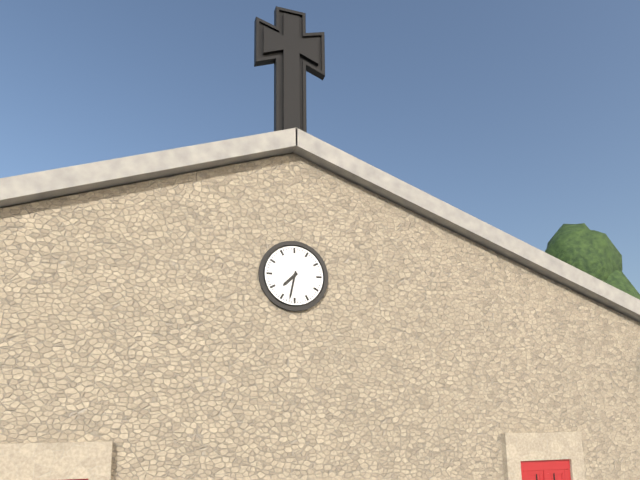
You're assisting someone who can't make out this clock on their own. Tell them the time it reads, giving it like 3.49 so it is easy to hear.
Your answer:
7.32
